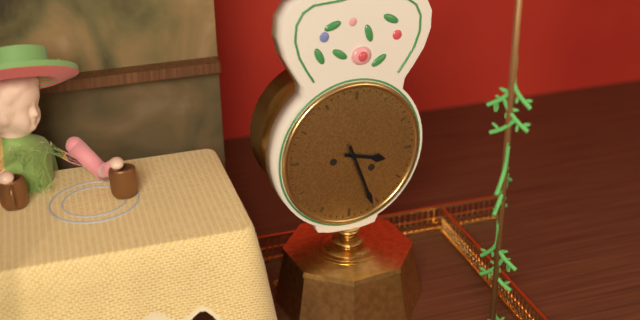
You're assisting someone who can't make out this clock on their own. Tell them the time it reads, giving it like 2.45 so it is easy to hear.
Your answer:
3.26
